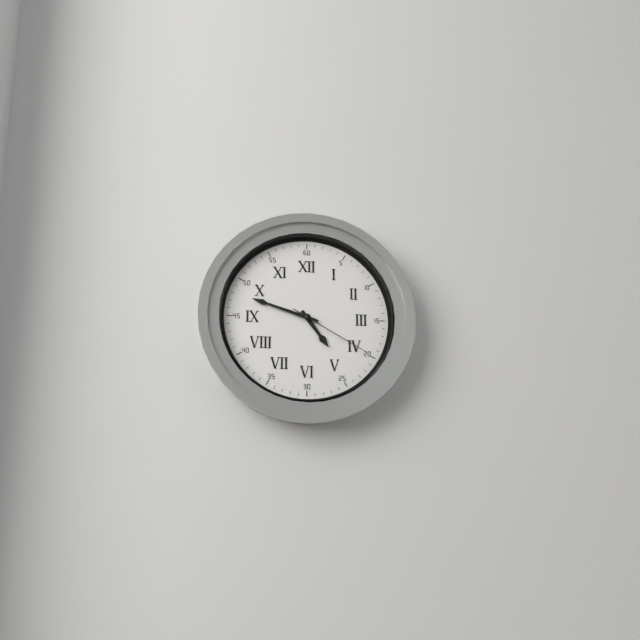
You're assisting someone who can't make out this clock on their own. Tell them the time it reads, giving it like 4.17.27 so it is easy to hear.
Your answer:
4.48.20
